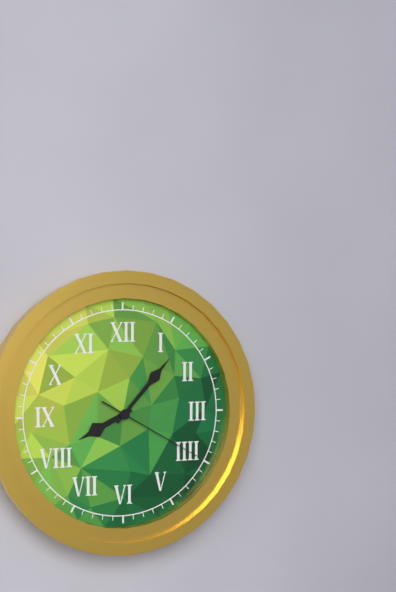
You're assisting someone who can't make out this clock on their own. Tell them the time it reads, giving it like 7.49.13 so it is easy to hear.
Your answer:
8.07.20
